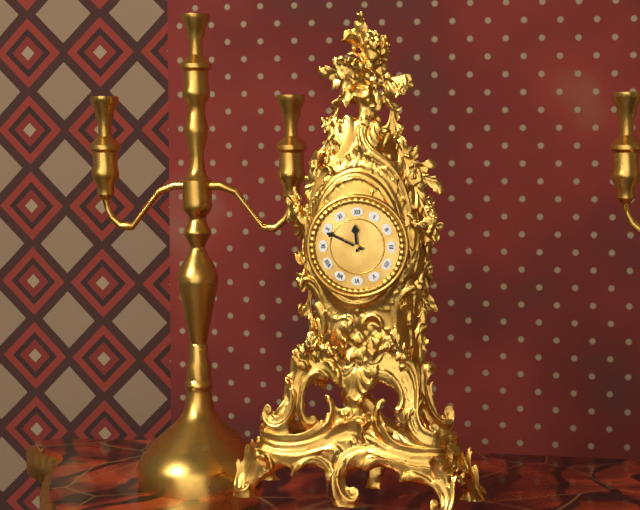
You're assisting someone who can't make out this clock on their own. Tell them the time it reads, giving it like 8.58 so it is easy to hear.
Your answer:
11.49
